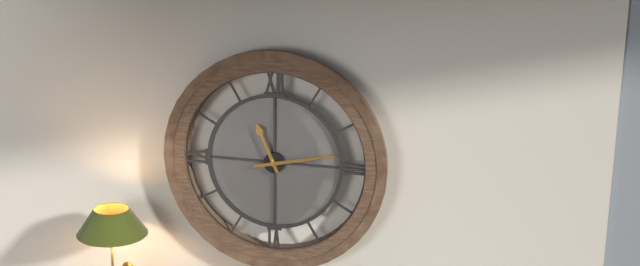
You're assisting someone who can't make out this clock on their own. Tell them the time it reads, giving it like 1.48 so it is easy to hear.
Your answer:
11.13
